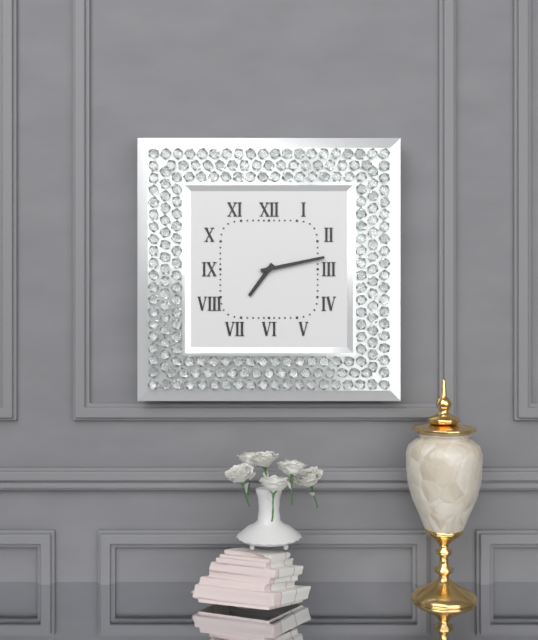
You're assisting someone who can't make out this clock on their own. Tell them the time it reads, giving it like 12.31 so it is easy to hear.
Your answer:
7.13
